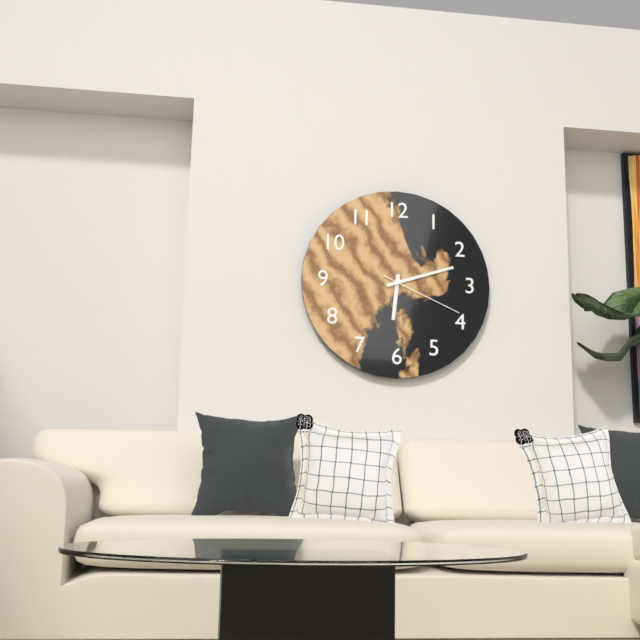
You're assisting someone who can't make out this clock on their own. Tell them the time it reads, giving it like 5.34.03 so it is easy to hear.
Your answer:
6.12.19
